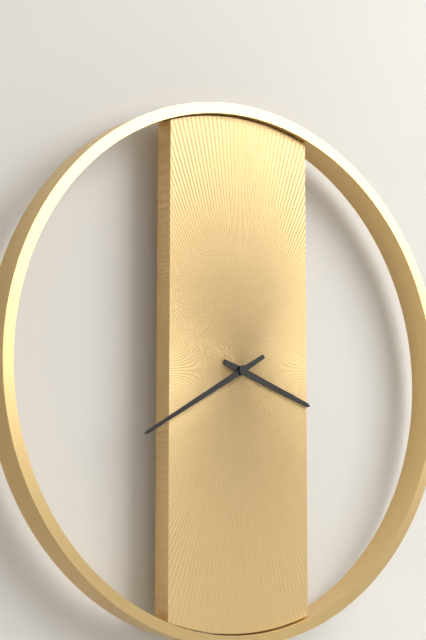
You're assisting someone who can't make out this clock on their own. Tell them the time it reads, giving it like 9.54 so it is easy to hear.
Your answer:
3.40
